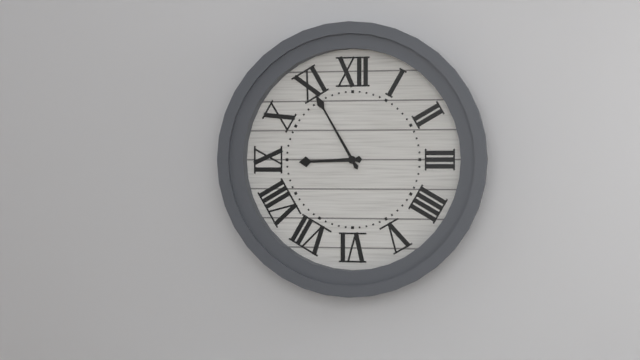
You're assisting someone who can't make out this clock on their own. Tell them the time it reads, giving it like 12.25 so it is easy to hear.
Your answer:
8.55
